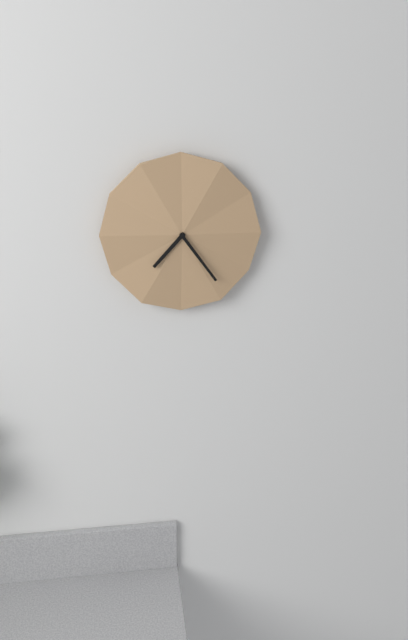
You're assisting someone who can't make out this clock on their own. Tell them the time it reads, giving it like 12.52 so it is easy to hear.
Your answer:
7.24
